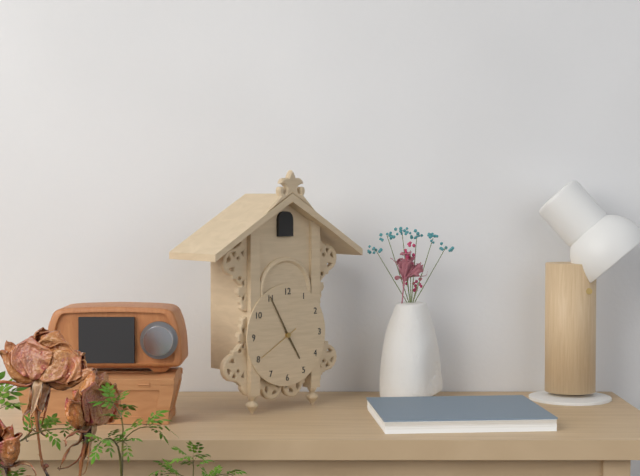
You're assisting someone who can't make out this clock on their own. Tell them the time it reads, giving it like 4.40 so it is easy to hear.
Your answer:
4.55
